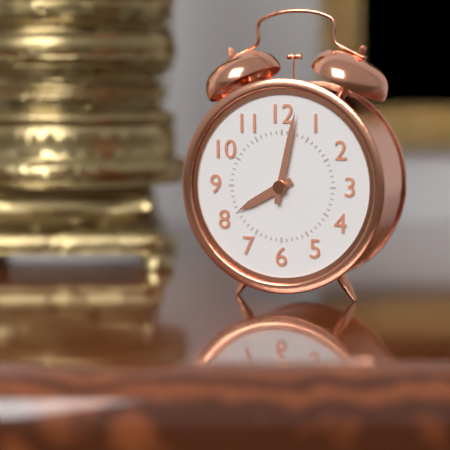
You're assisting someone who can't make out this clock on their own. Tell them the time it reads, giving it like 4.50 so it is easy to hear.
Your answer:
8.02
